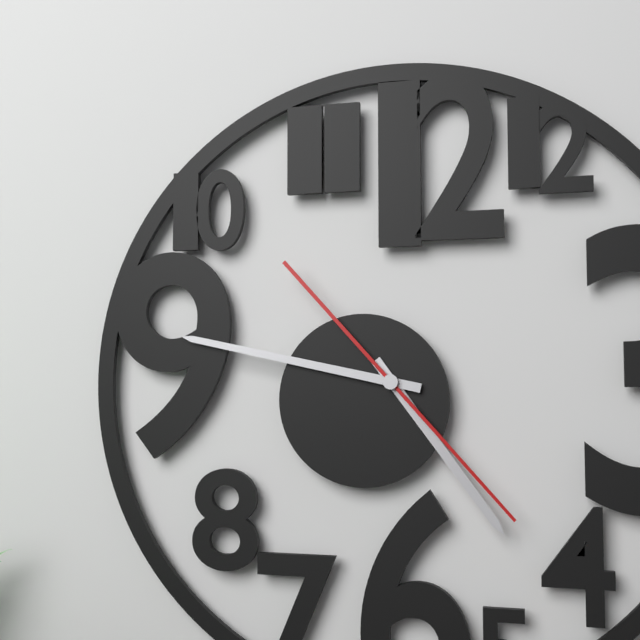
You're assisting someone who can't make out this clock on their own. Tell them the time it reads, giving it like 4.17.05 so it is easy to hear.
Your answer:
4.47.23
